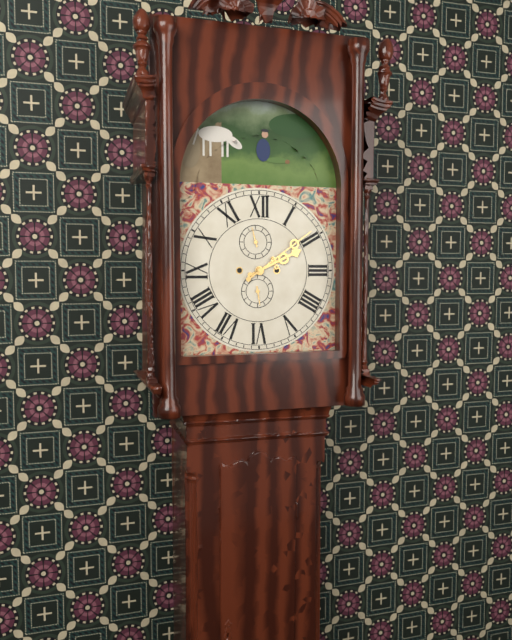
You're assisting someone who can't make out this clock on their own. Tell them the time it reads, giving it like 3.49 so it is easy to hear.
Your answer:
2.09
